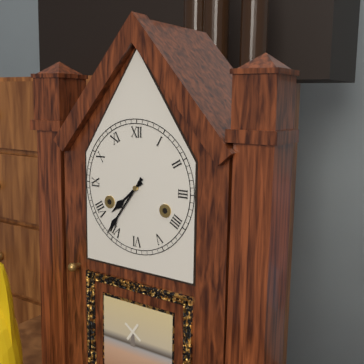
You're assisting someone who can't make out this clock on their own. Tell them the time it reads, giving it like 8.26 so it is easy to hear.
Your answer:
7.36
